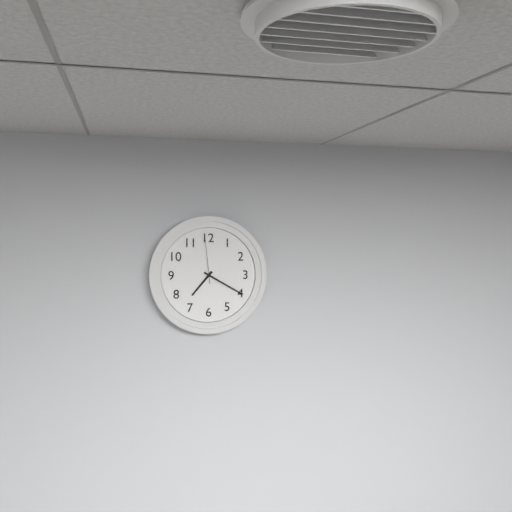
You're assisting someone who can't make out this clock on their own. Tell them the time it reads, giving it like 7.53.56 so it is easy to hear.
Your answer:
7.20.59
